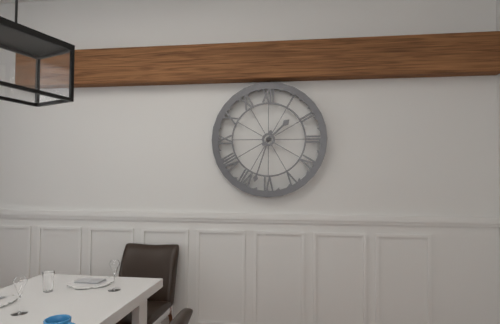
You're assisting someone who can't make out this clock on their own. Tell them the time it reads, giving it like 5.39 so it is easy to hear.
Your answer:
1.33
